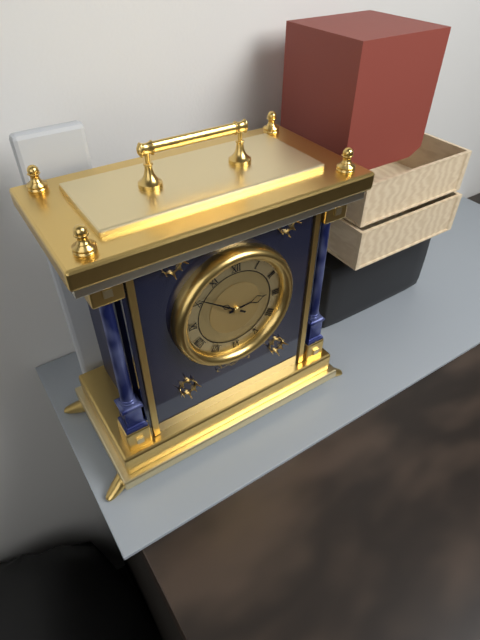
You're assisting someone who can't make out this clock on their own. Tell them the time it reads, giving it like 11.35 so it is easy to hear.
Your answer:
2.51
